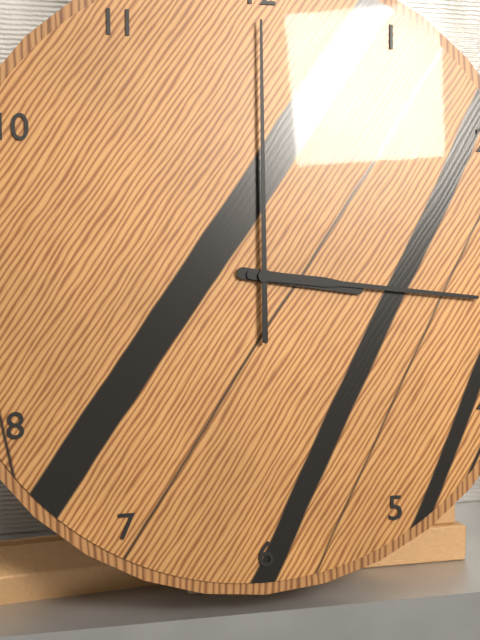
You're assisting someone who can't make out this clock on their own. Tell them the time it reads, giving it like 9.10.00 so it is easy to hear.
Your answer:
3.16.00
